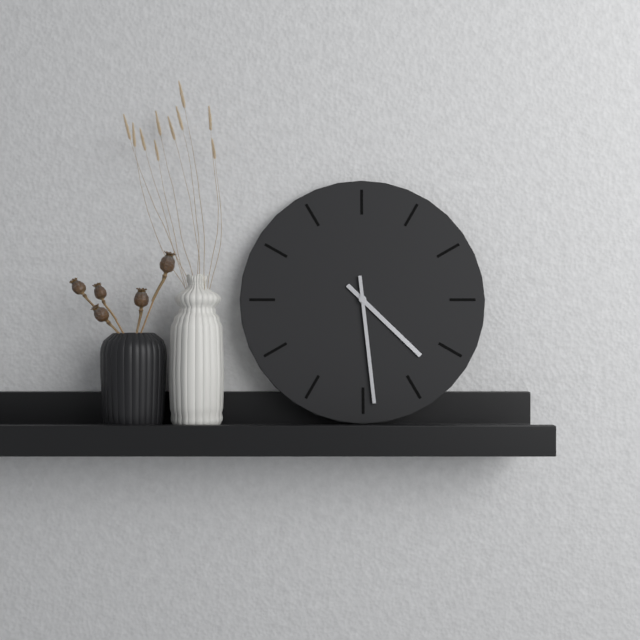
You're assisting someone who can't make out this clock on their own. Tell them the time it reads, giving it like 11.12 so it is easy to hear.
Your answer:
4.29
